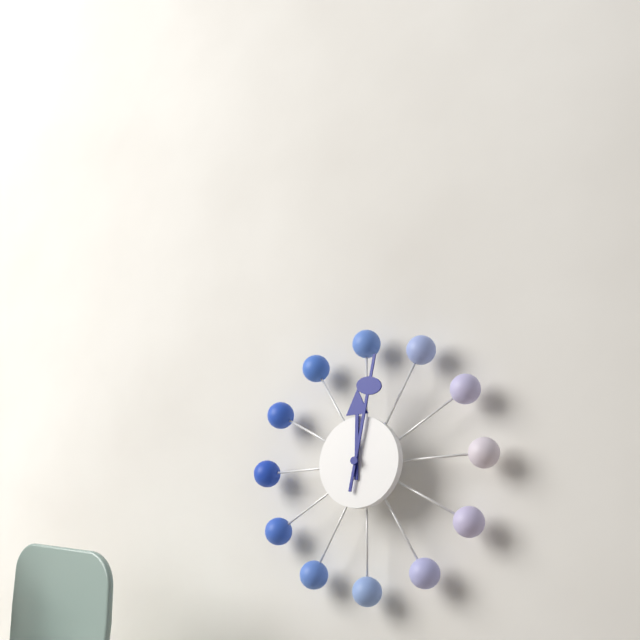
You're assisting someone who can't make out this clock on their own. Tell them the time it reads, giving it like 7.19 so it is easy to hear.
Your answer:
12.02
